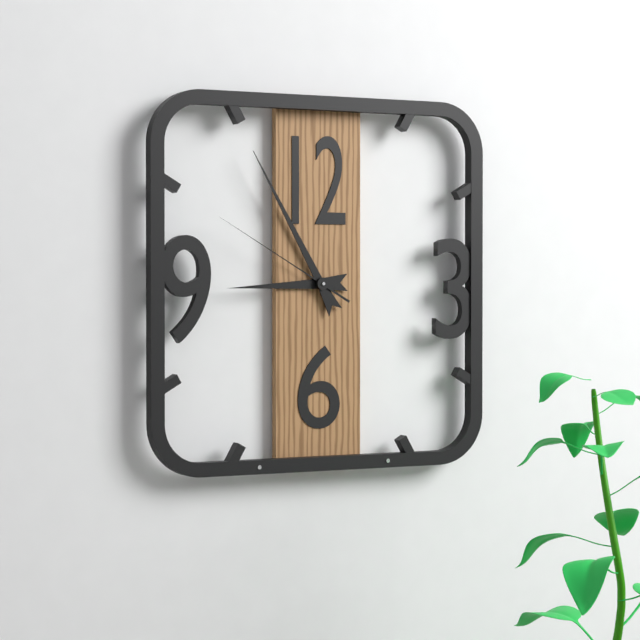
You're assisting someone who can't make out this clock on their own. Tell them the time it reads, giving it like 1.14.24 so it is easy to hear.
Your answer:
8.55.50
